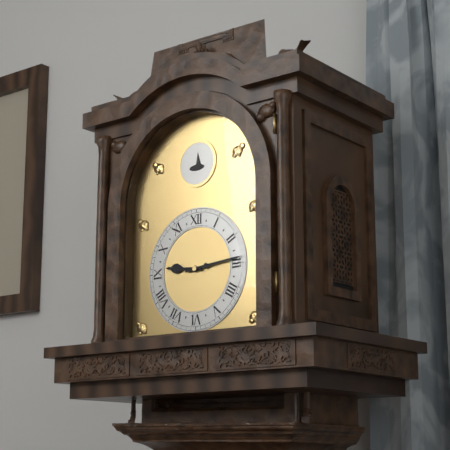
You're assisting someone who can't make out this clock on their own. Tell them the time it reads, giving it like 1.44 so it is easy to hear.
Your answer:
9.14
